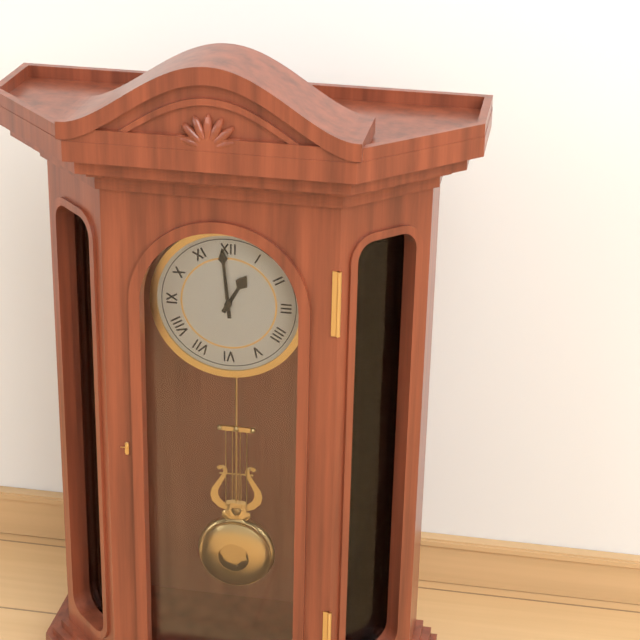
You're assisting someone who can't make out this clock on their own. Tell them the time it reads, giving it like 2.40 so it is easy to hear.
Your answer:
12.59
